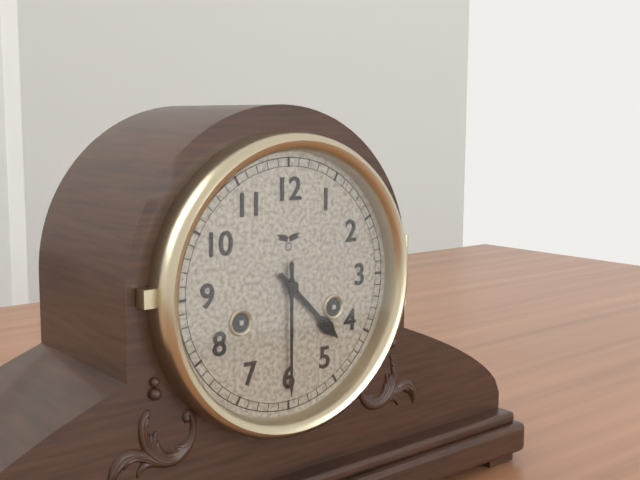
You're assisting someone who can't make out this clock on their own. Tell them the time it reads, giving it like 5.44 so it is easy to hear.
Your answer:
4.30
